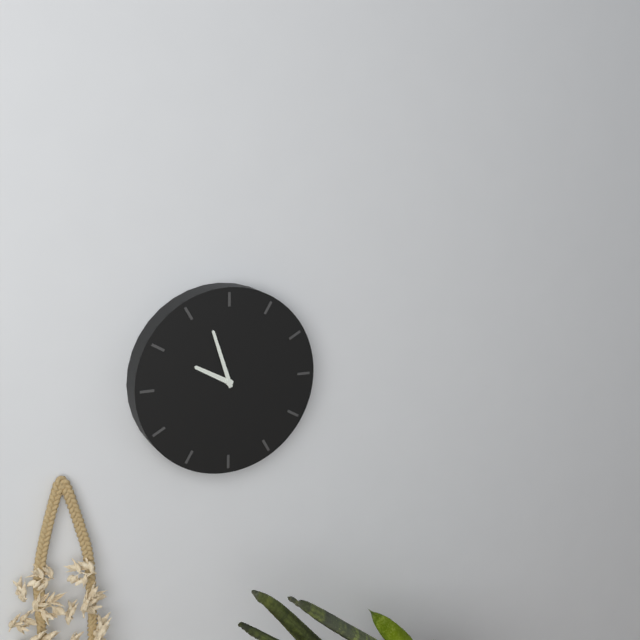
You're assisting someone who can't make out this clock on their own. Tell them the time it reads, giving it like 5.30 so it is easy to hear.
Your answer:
9.57
